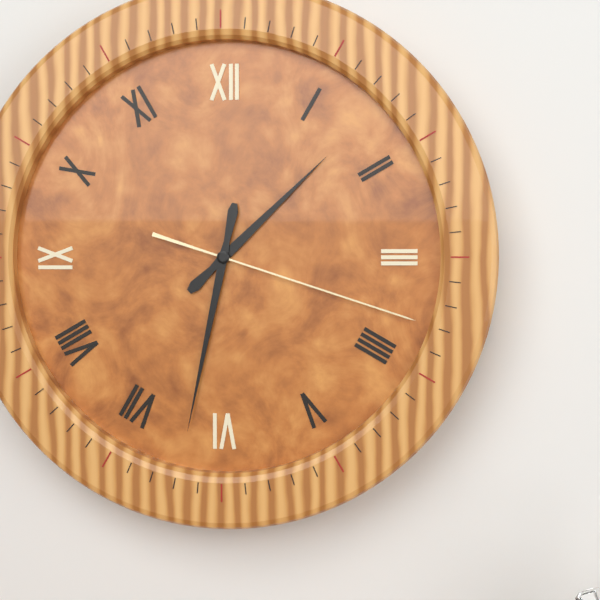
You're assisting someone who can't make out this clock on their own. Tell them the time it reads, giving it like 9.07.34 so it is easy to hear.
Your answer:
1.32.18
